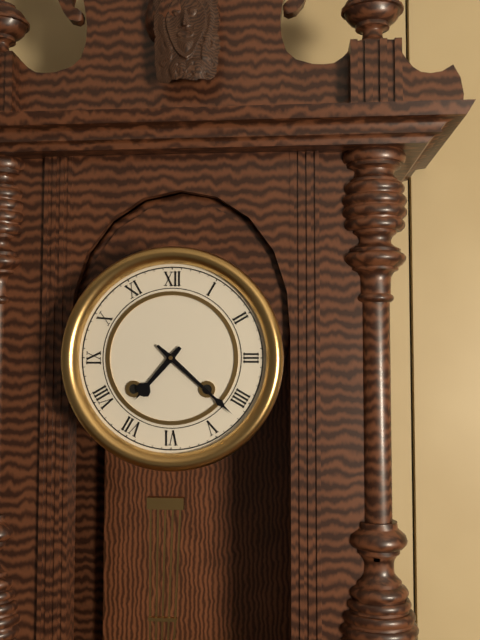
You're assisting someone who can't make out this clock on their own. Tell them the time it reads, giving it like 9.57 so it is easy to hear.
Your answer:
7.22
